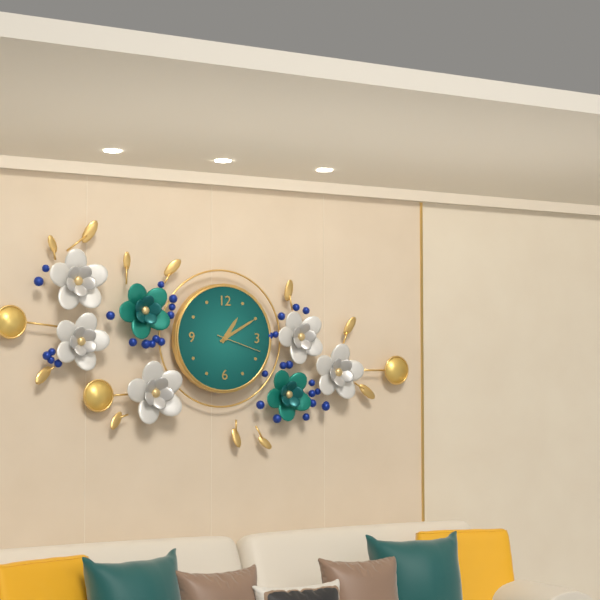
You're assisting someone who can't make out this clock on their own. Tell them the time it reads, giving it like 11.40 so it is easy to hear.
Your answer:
1.10
